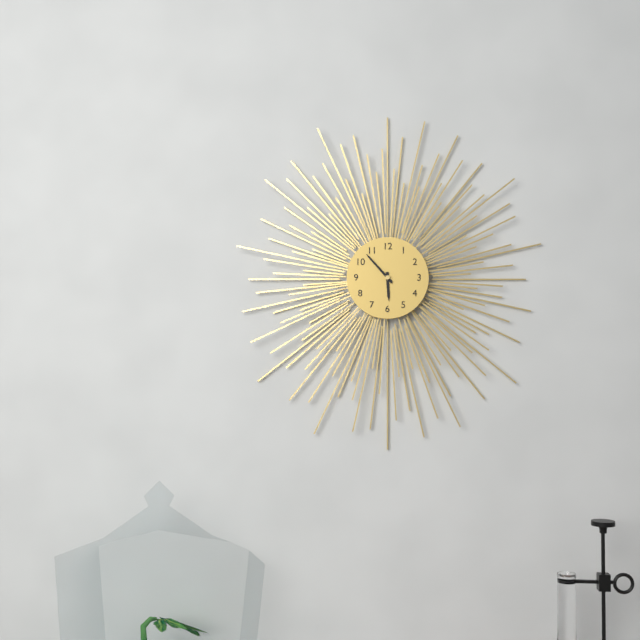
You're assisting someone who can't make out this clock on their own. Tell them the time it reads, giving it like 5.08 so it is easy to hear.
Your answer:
5.53
